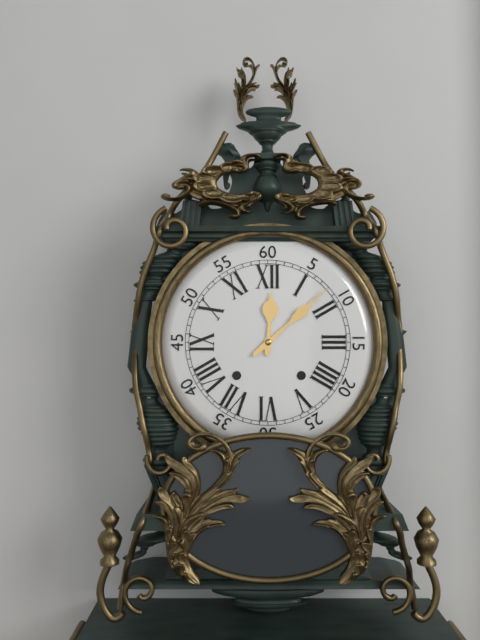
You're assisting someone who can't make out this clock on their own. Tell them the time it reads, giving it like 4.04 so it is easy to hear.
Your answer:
12.08
